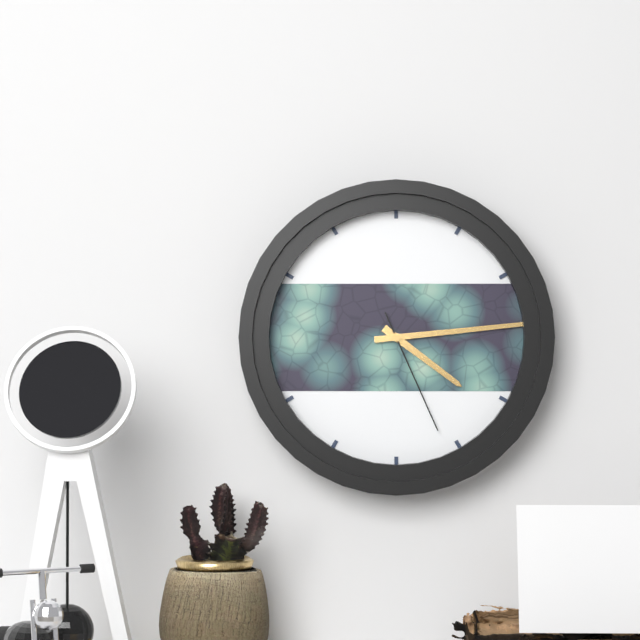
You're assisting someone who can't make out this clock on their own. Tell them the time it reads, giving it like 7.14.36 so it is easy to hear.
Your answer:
4.14.26
